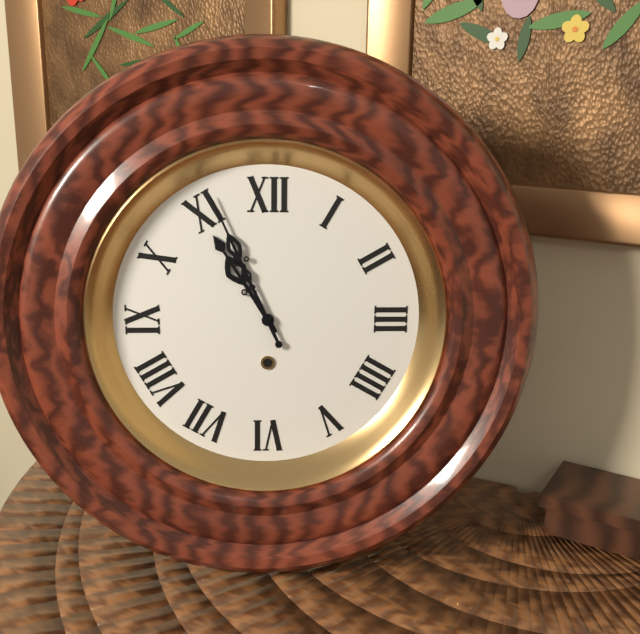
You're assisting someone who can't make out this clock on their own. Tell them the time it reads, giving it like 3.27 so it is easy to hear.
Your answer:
10.56
